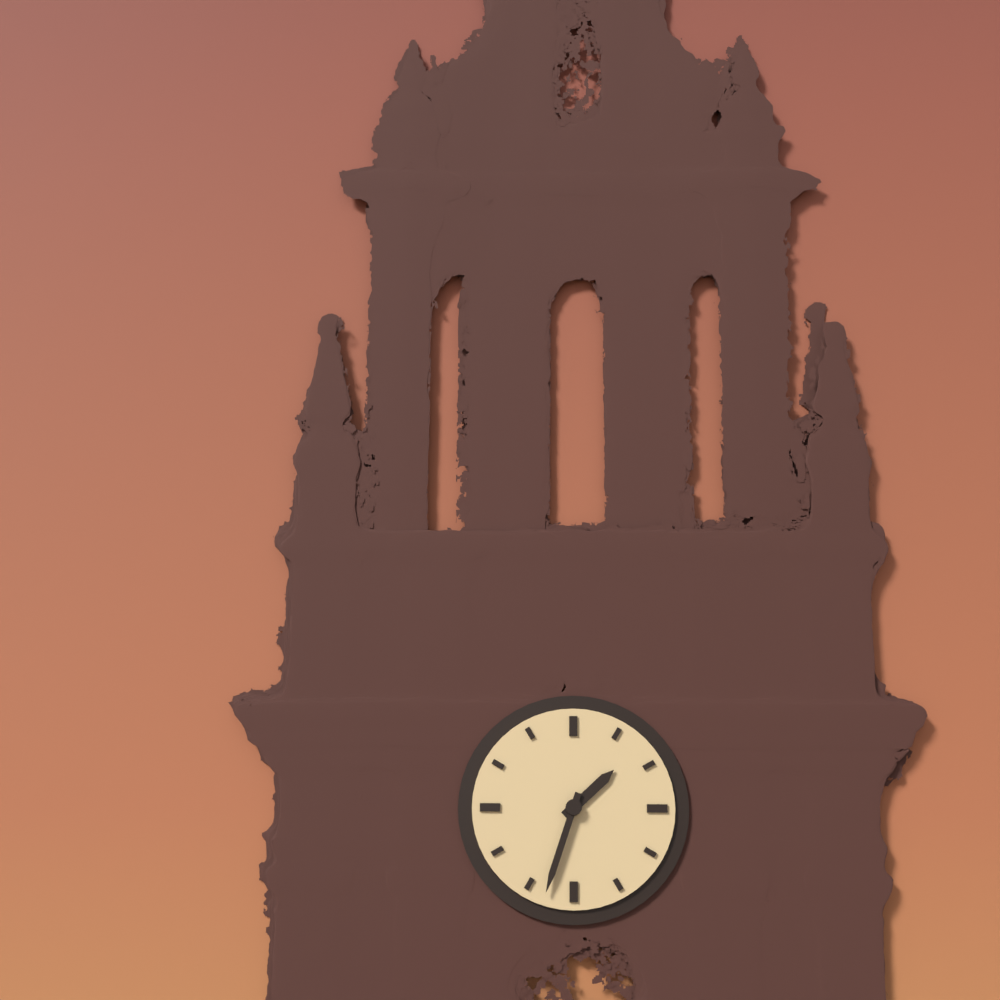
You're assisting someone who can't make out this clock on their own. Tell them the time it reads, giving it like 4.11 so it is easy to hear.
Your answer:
1.33
